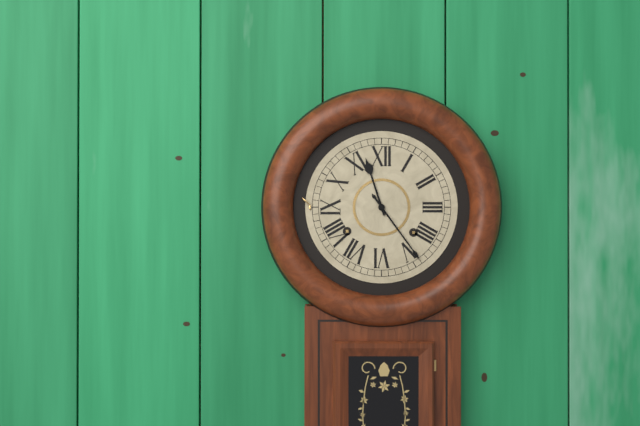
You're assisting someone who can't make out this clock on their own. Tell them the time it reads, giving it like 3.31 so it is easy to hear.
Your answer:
11.24
